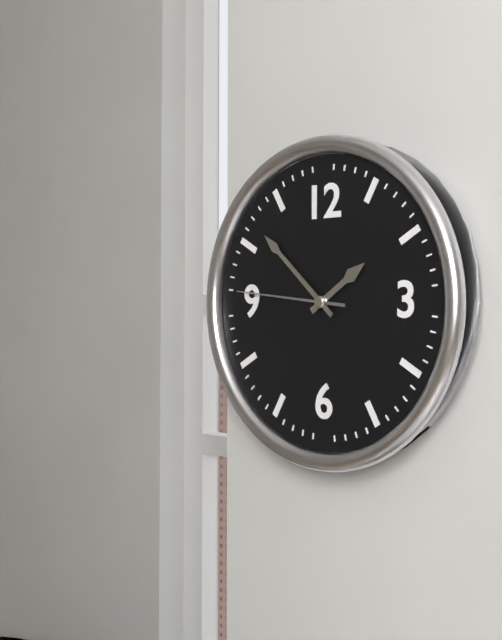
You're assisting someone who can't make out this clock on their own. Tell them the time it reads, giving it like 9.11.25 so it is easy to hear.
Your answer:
1.52.46
